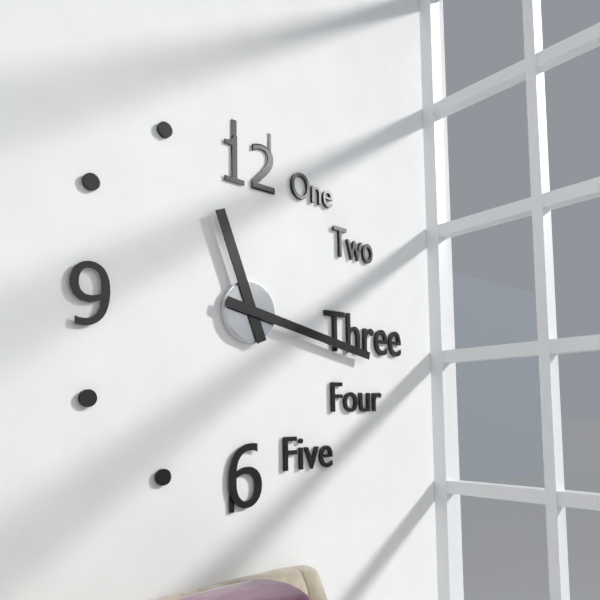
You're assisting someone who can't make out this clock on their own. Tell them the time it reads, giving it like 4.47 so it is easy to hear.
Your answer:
11.17
